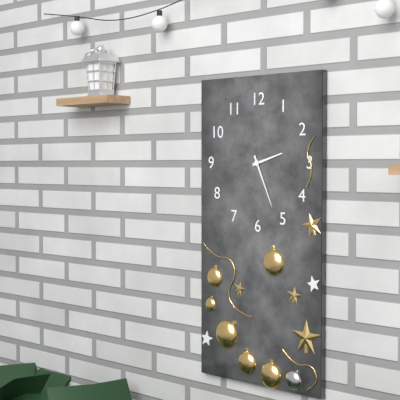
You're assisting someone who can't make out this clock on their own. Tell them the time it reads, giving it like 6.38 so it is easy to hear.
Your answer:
2.26
